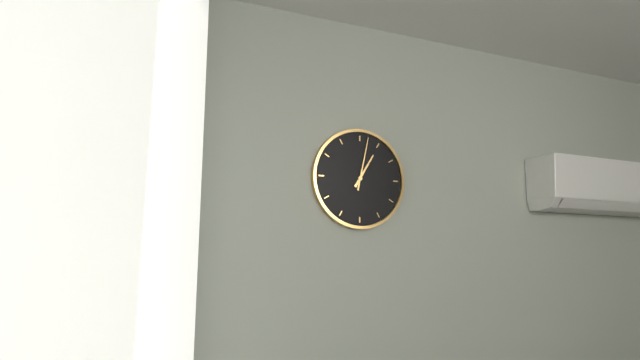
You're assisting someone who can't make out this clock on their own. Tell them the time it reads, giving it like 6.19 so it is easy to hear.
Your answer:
1.02
